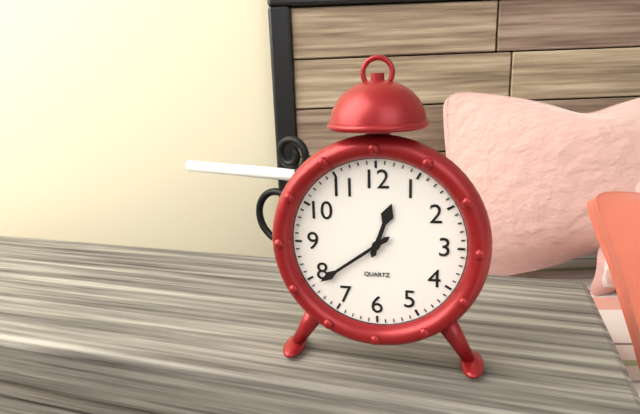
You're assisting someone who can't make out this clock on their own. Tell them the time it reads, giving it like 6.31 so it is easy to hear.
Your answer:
12.39
